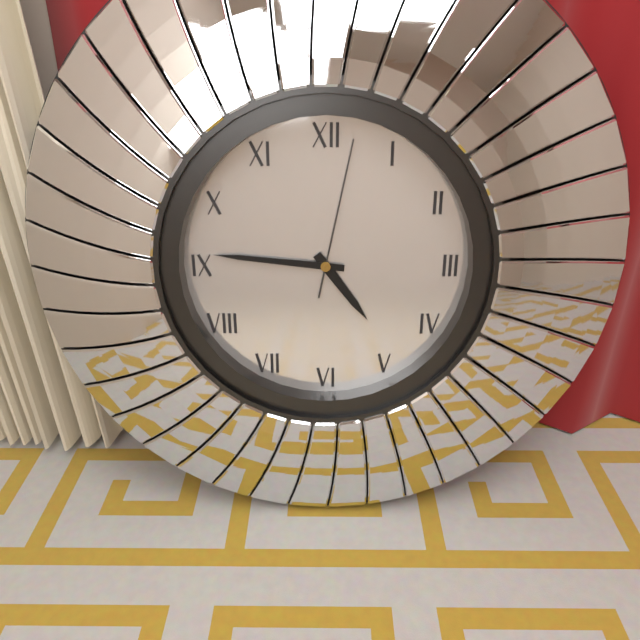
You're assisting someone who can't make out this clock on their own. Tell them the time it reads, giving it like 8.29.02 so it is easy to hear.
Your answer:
4.46.02
